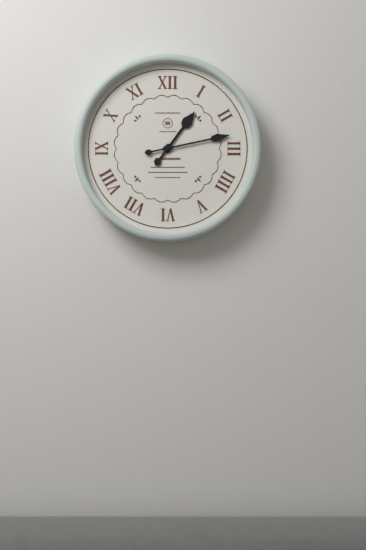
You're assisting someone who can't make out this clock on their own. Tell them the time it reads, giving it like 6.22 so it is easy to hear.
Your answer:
1.13
